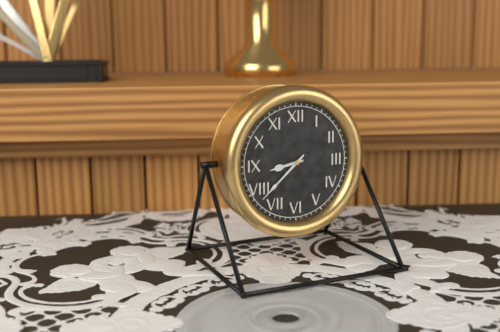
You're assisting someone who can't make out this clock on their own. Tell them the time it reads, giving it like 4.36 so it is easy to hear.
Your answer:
8.38
